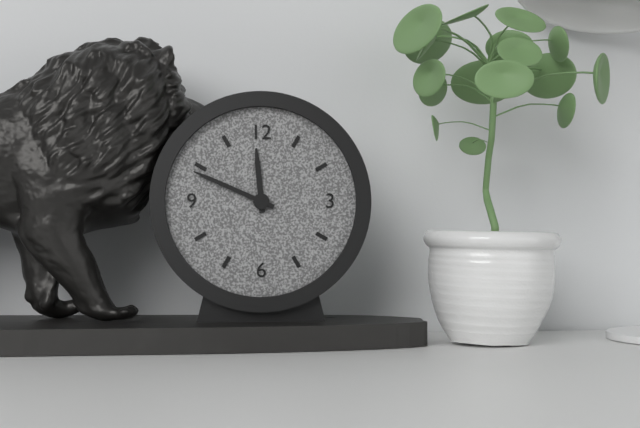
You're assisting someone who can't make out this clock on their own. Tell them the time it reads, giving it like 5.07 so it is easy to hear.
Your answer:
11.49
